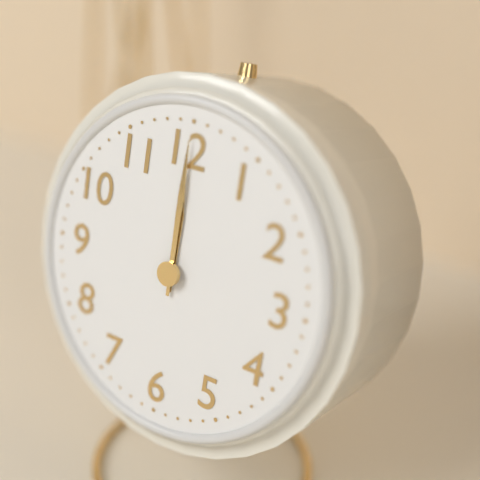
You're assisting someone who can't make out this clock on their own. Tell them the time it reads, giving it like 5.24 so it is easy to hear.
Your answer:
12.00
